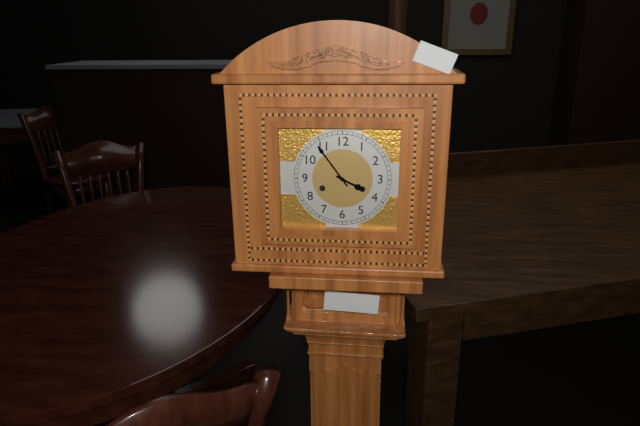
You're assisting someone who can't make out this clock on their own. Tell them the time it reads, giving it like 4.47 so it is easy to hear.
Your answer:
3.54
